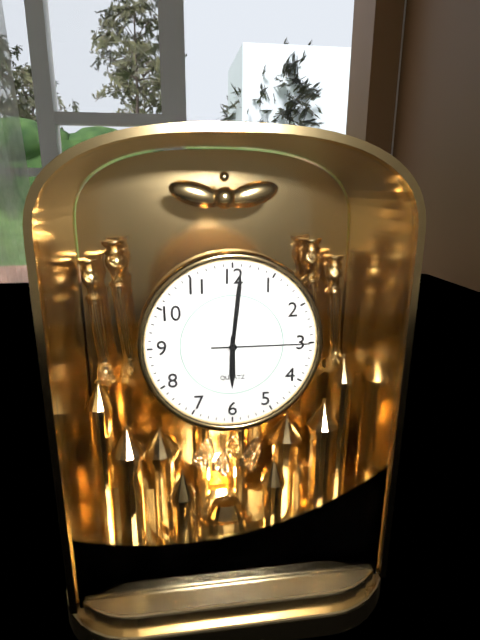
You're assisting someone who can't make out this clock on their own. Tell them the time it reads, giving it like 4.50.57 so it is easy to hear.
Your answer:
6.01.15
